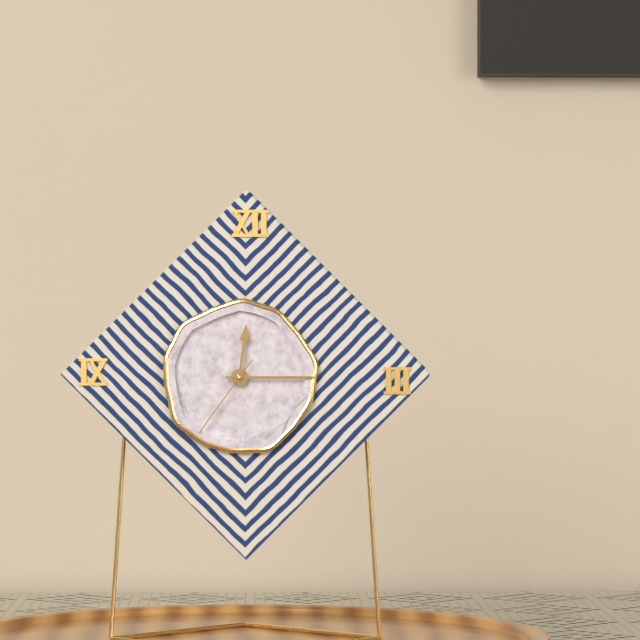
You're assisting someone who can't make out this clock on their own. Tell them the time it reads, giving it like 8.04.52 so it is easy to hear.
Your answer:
12.15.36
